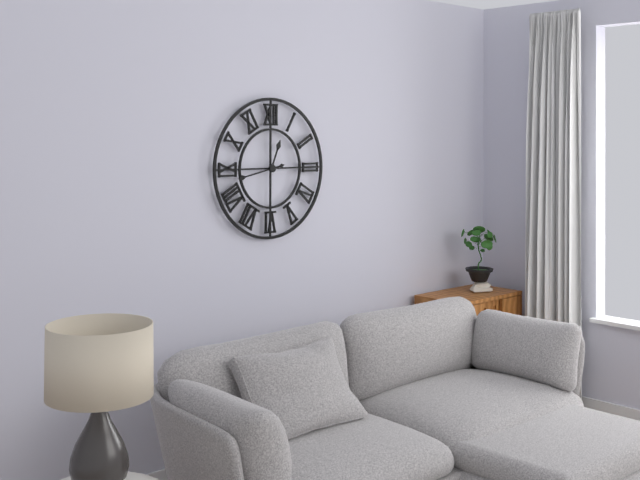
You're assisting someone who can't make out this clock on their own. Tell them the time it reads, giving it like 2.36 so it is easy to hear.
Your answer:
12.43
